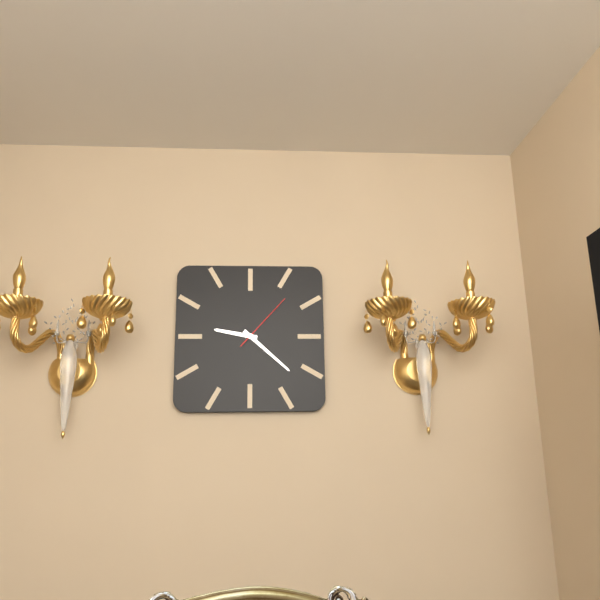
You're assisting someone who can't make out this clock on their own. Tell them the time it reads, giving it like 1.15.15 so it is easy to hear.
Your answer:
9.22.07
